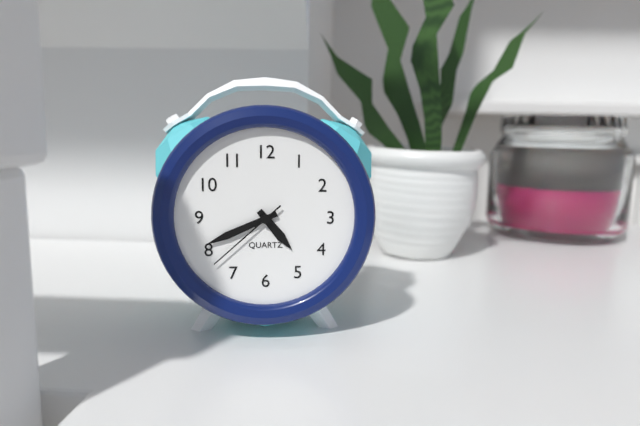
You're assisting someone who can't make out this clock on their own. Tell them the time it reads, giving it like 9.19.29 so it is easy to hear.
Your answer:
4.41.38
